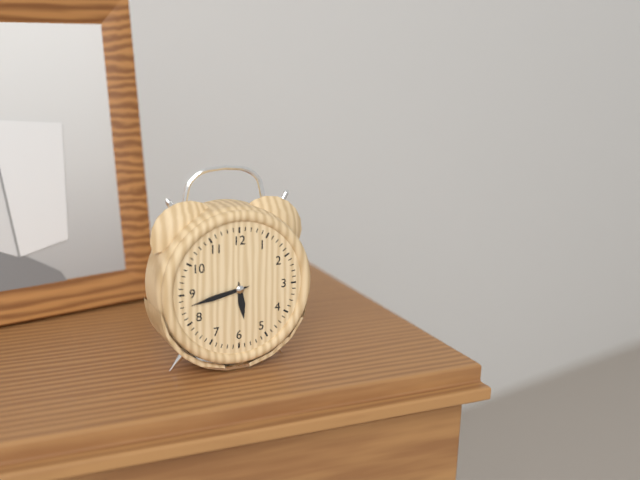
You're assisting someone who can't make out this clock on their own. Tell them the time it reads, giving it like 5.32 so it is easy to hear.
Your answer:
5.43
